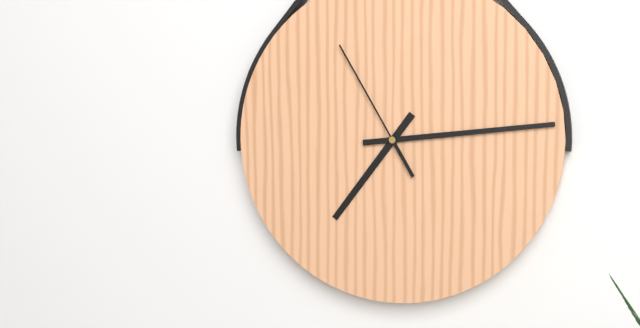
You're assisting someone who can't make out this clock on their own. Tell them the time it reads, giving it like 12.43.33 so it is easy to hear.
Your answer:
7.14.55
